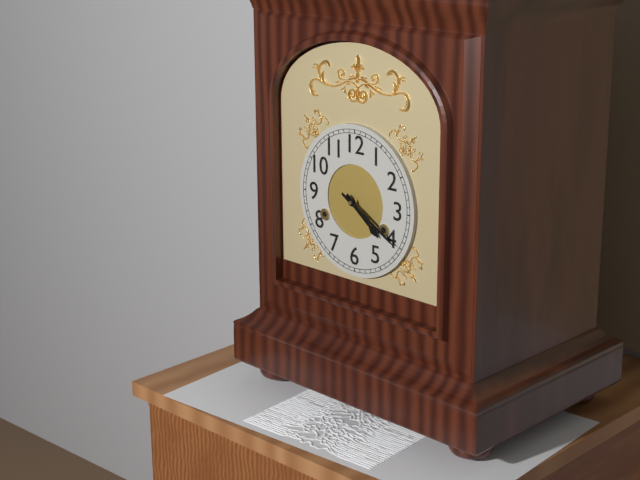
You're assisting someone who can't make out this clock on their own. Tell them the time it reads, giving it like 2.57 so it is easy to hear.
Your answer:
4.20
